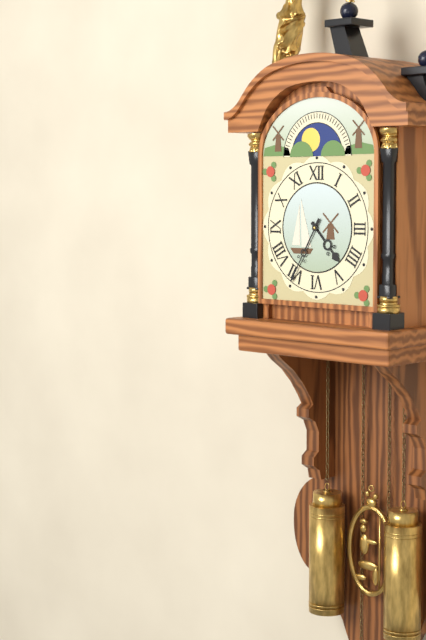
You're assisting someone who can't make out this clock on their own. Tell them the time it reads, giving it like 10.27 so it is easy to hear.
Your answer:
4.35
